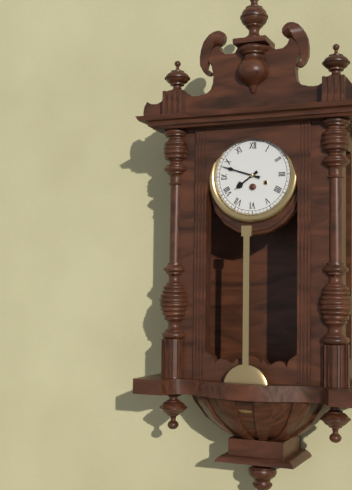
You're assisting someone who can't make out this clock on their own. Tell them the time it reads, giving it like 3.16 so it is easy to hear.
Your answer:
7.48
